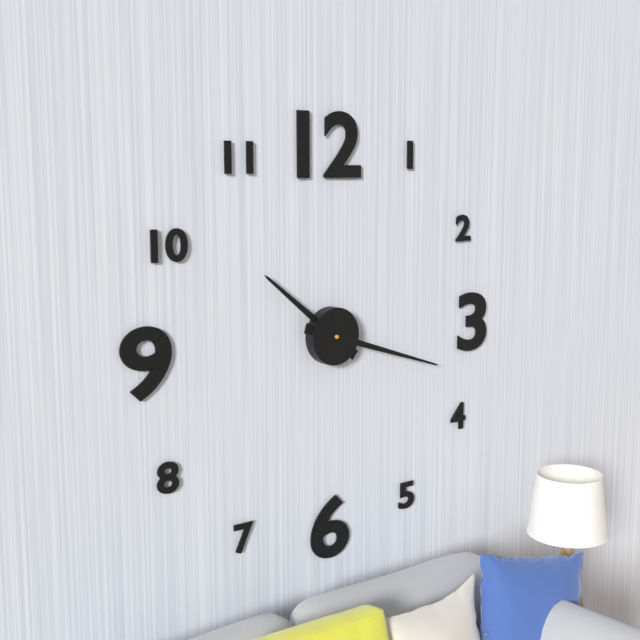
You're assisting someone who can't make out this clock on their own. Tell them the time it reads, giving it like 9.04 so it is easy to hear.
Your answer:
10.18
